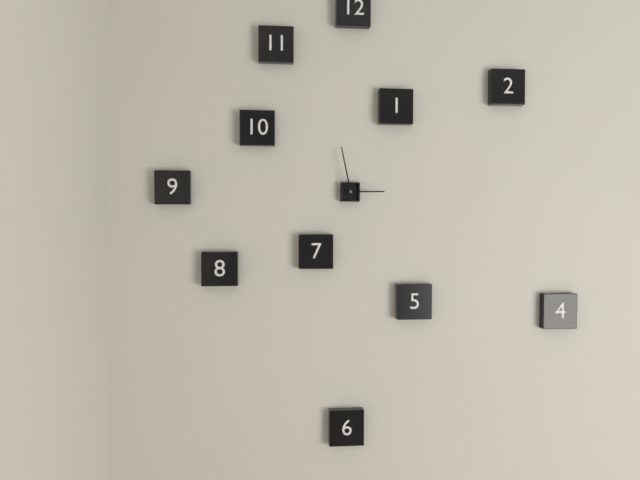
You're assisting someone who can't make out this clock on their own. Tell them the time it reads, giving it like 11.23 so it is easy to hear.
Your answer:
2.58
